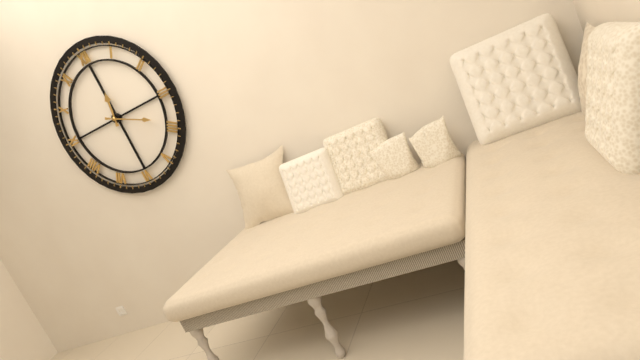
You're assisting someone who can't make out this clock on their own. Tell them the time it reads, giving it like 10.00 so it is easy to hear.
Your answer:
12.19
